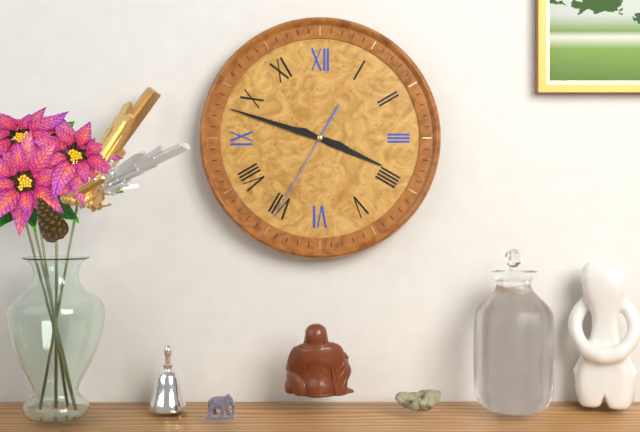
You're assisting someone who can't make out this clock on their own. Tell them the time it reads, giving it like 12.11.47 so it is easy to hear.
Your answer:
3.48.35
